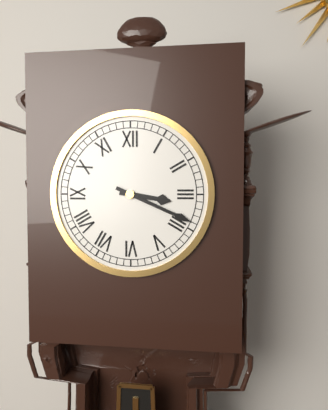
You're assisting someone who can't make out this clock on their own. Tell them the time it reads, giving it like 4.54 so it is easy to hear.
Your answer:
3.19
